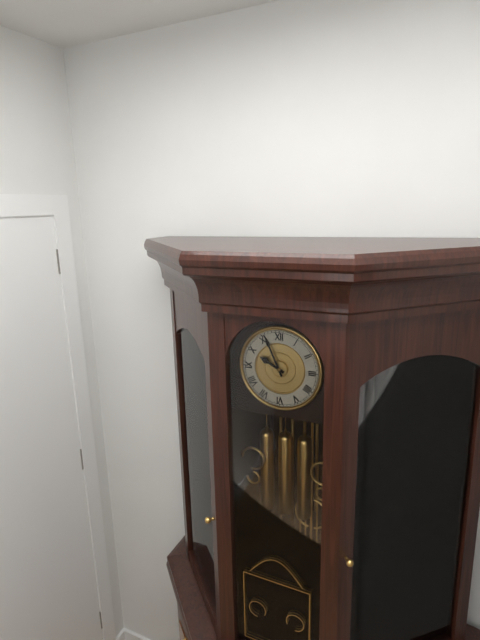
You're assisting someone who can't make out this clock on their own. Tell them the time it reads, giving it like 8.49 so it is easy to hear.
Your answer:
9.56
